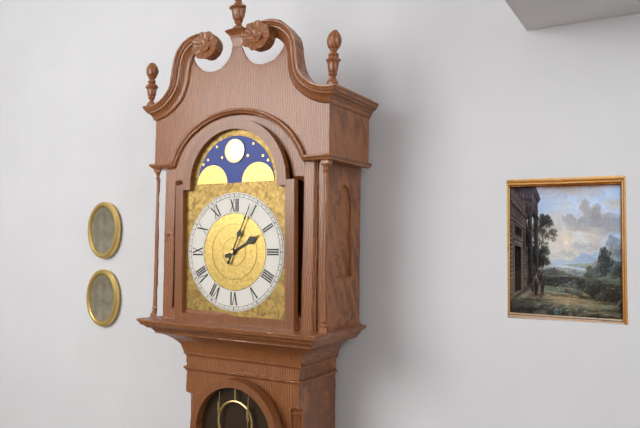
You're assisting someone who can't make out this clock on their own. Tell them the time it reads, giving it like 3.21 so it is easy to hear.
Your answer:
2.04
